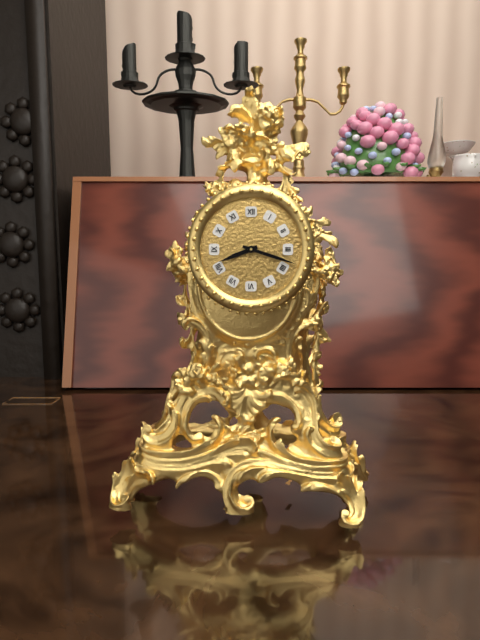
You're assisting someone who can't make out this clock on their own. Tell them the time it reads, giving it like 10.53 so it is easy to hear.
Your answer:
8.18
